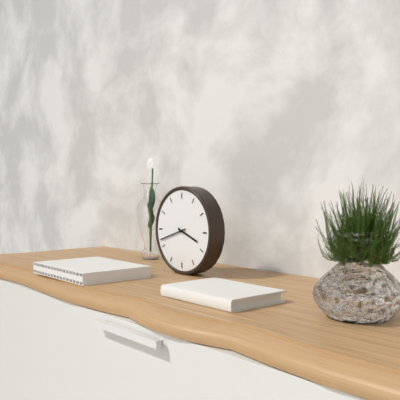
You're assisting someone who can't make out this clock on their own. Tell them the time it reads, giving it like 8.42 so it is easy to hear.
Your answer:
3.42
